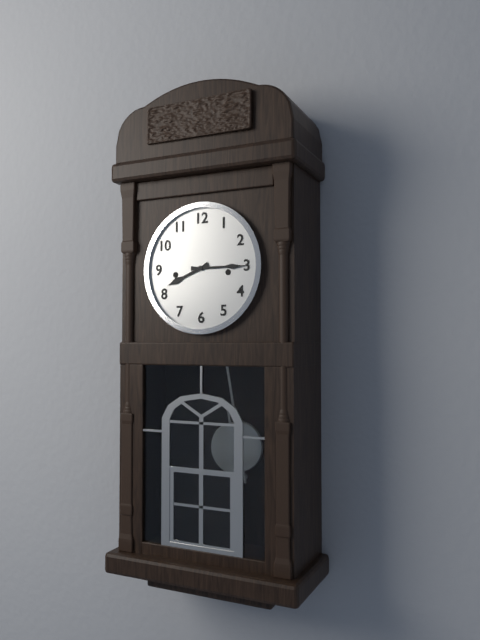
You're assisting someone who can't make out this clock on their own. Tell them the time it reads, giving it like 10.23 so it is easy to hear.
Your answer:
8.15
